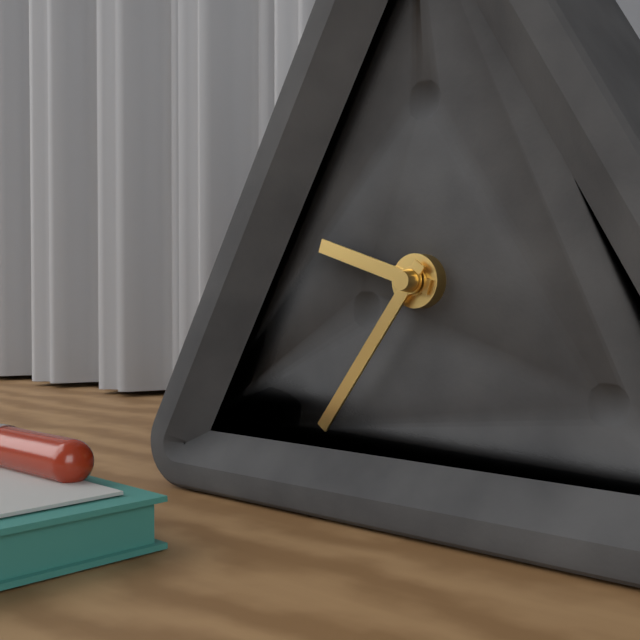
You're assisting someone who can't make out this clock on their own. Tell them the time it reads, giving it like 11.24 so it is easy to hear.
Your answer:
9.36
